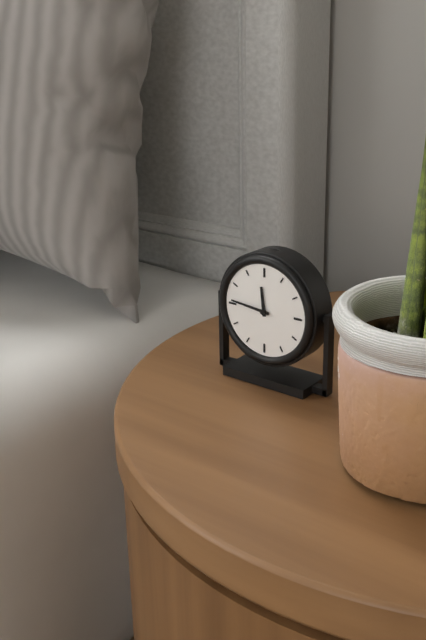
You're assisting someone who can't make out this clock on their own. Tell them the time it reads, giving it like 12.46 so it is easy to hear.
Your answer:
11.46
